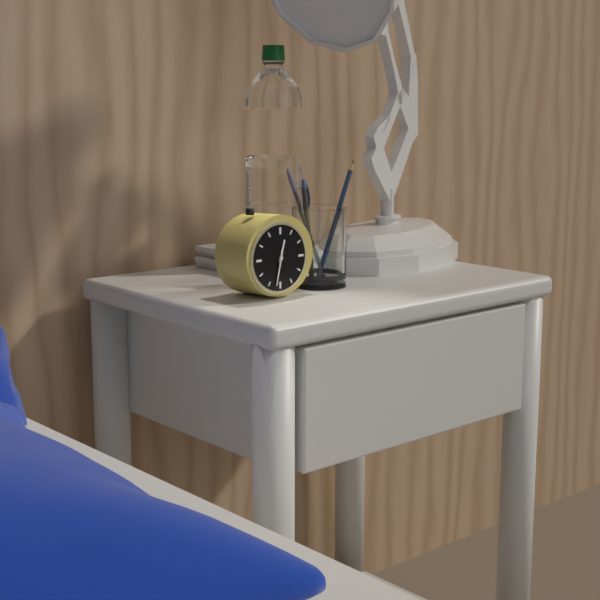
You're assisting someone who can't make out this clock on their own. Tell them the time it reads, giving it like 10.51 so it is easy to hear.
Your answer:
12.32
